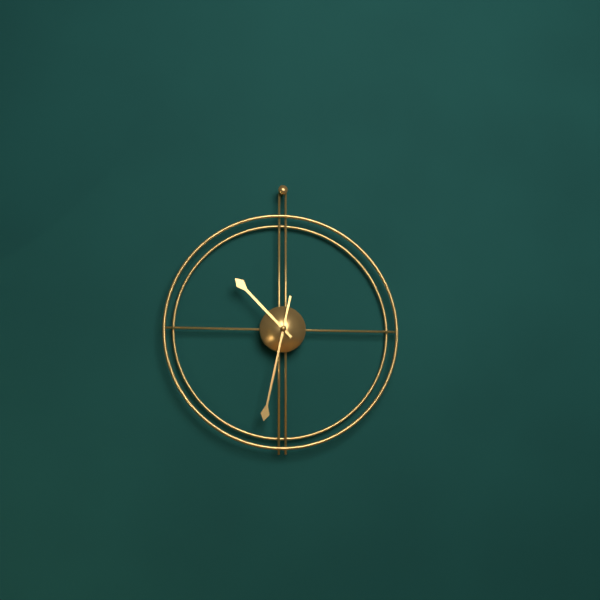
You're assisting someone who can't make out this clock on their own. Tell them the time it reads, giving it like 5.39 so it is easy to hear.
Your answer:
10.32
